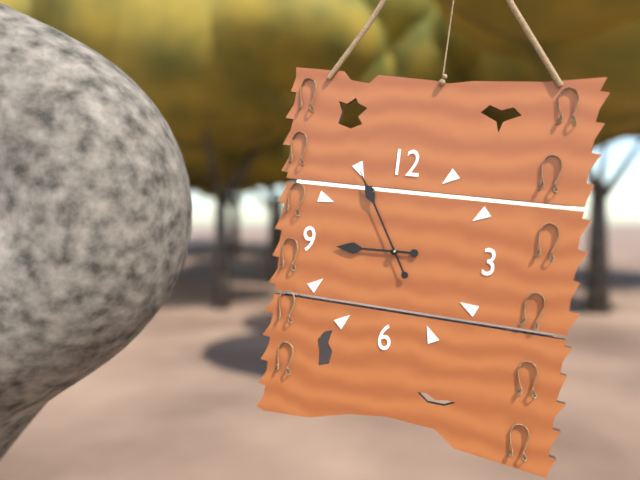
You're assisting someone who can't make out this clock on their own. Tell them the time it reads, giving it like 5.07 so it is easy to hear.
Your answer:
8.55
